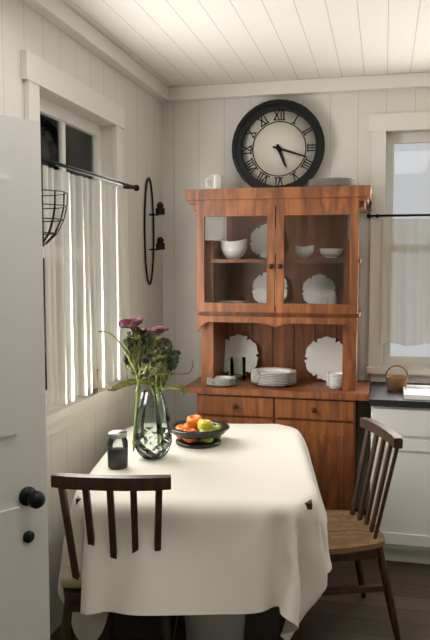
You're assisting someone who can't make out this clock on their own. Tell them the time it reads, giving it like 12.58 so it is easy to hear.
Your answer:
5.18
